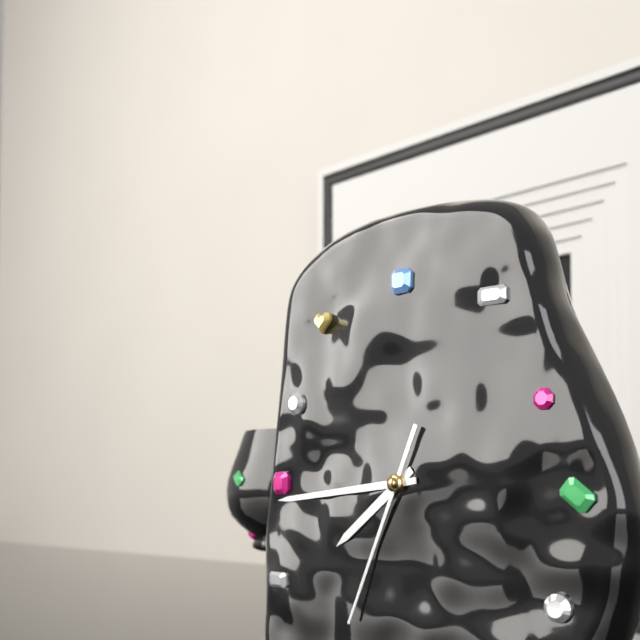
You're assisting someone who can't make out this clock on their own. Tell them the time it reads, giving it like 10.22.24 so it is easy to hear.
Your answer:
7.44.34
